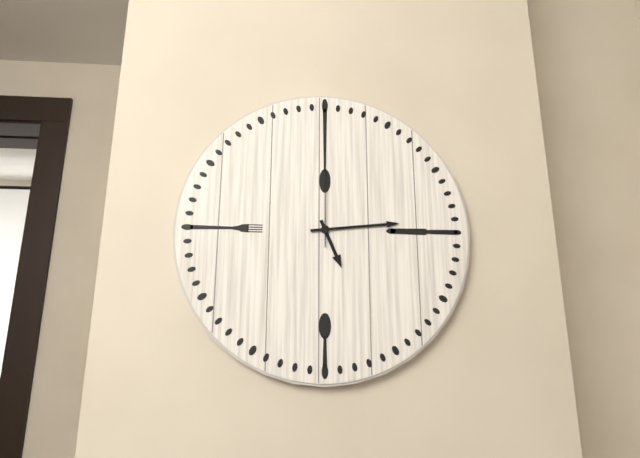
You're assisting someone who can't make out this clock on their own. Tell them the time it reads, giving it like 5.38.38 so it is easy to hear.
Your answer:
5.14.00
